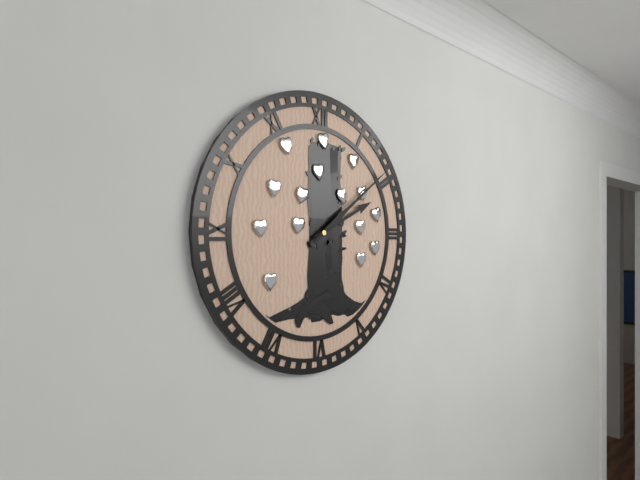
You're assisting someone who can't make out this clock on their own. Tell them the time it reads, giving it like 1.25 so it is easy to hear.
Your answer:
2.09
